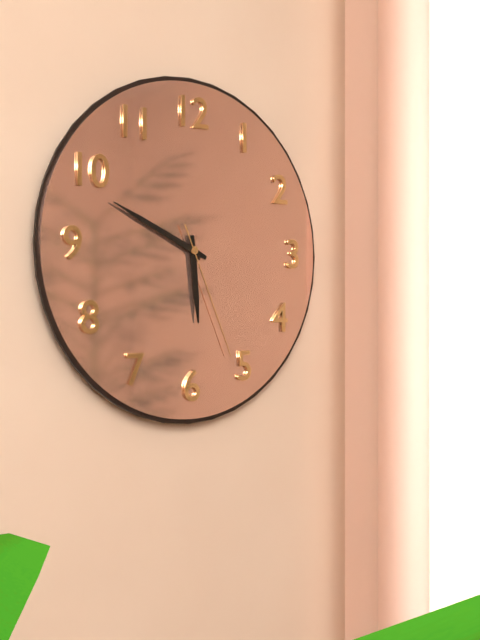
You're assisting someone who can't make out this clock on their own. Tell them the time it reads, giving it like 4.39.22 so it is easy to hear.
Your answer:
5.49.26
